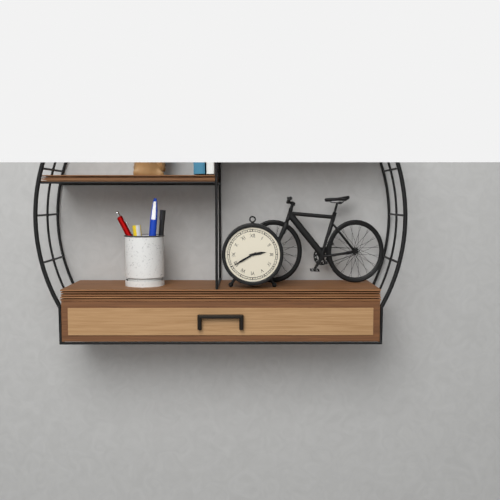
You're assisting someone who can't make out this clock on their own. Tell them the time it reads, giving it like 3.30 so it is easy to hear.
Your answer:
2.40
